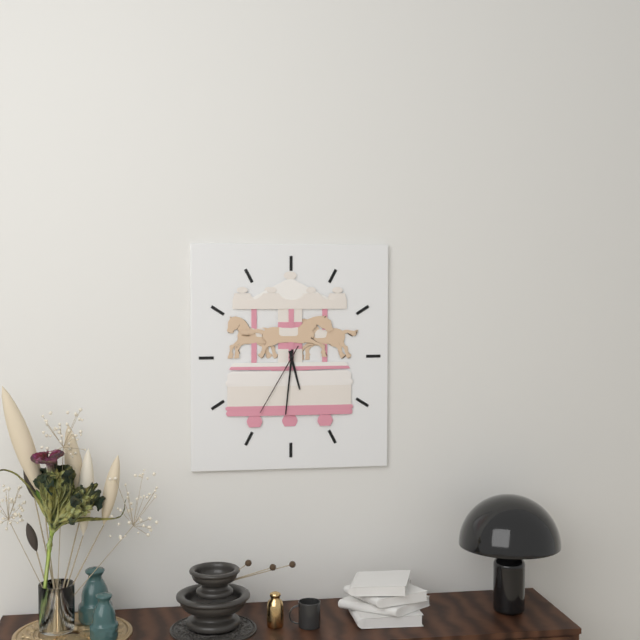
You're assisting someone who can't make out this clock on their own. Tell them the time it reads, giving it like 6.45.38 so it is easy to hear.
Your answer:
5.31.35
